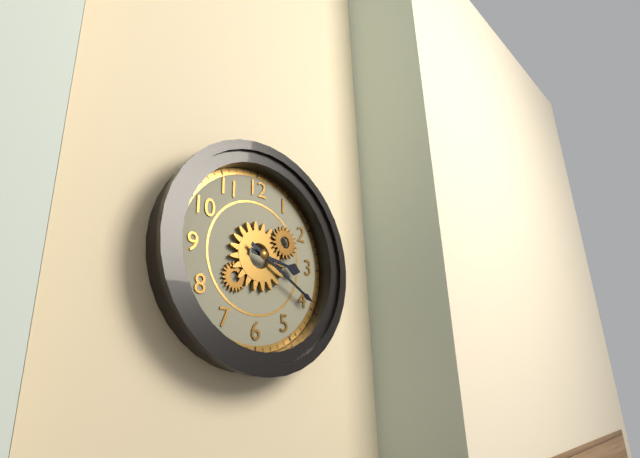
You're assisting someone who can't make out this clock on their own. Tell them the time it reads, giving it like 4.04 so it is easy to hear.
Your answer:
3.20
